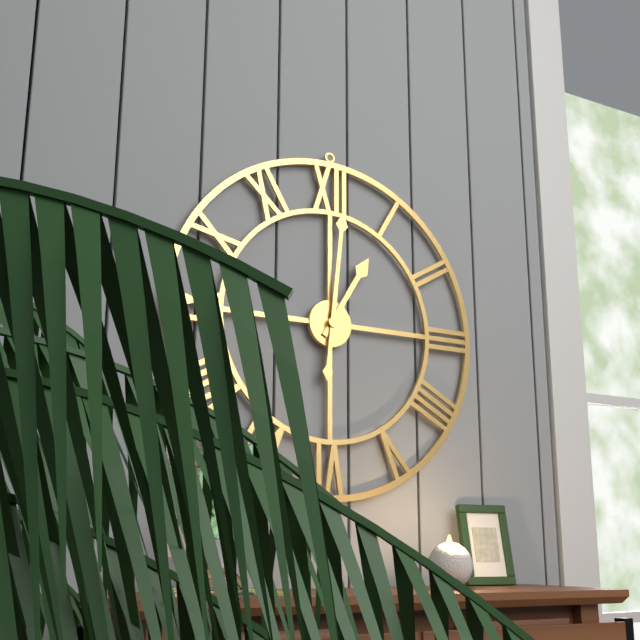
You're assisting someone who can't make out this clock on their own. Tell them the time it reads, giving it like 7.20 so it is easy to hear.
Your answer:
1.01
